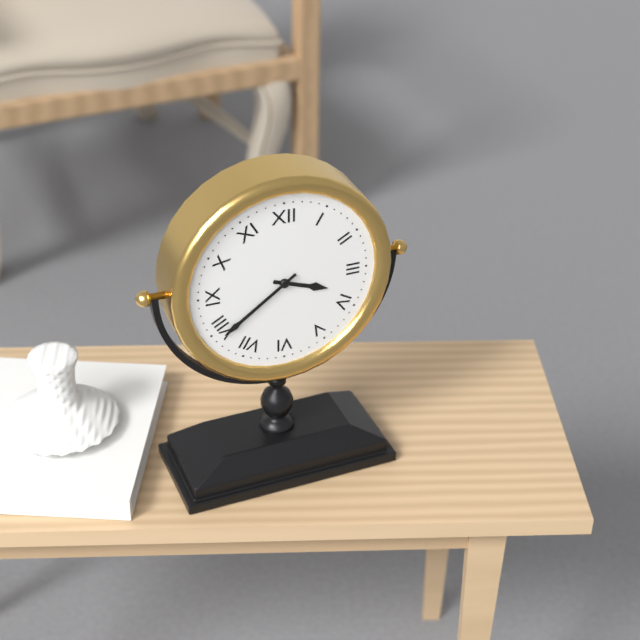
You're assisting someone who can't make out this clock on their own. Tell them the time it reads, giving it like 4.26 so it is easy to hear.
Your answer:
3.39
